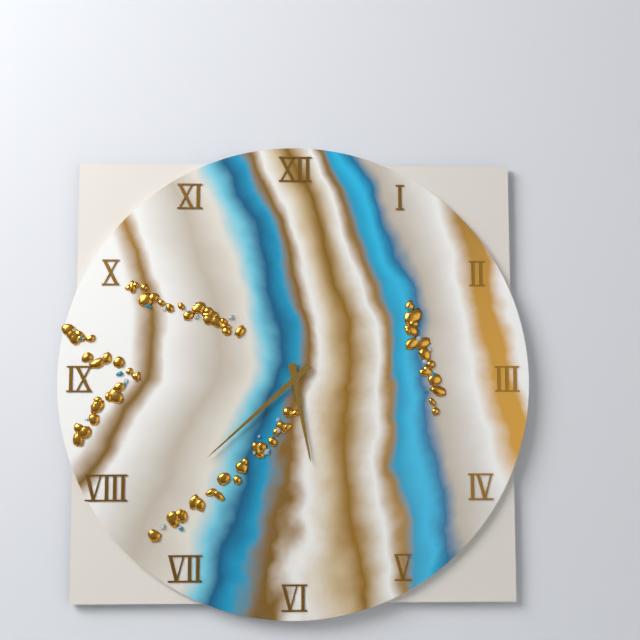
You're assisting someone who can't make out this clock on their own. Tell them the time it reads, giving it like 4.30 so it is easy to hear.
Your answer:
5.38
